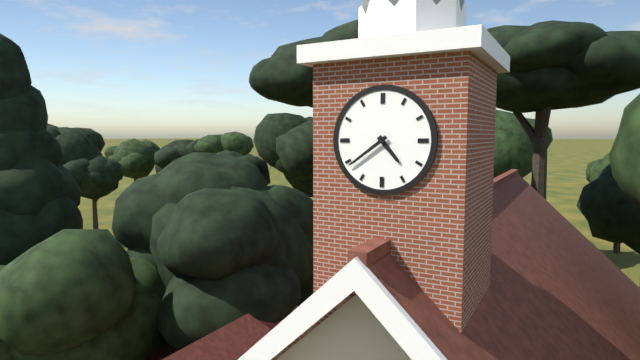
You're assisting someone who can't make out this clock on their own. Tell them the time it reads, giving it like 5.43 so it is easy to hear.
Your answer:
4.39
